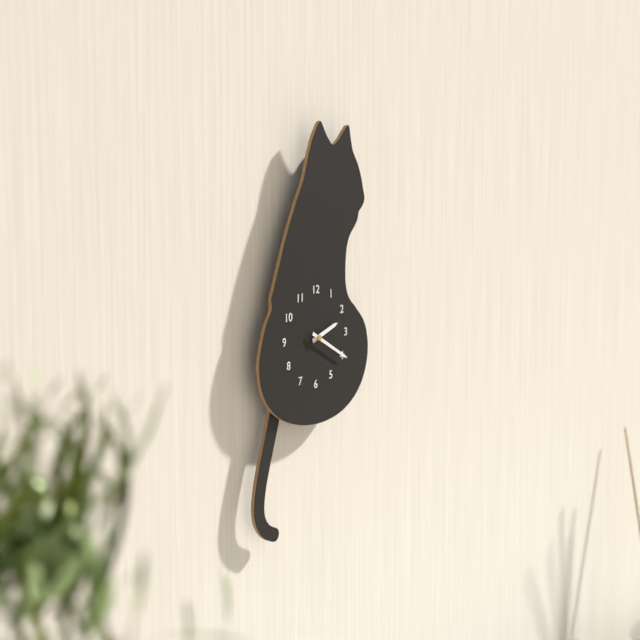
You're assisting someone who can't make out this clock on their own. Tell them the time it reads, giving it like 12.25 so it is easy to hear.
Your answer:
2.20
